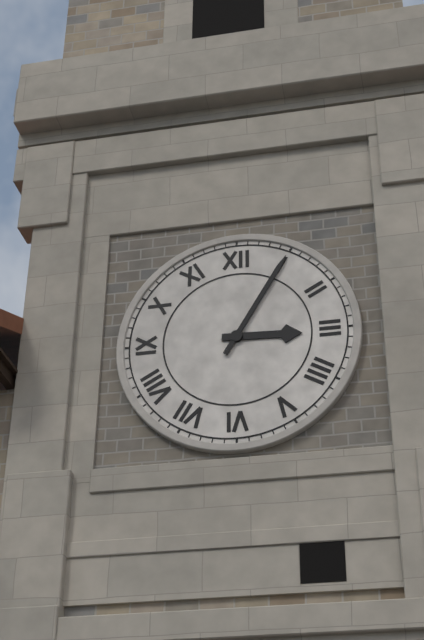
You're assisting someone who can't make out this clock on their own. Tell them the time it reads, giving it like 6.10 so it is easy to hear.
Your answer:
3.05
